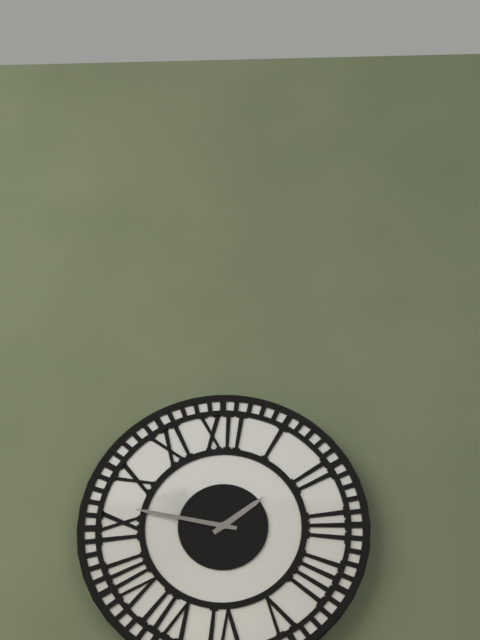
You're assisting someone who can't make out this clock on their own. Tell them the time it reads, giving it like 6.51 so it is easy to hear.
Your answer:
1.47
